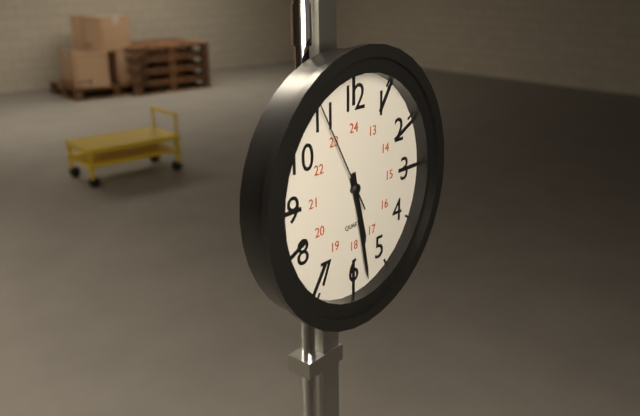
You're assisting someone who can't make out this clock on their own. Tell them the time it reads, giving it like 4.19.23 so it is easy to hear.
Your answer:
5.28.55
